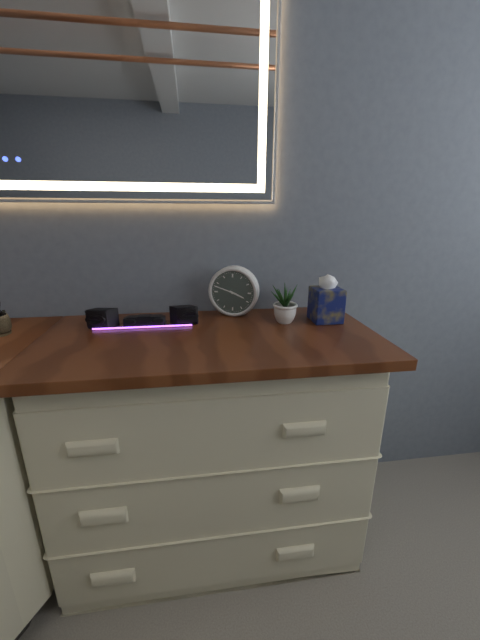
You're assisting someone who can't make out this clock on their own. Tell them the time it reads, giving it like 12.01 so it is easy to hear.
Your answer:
3.48
